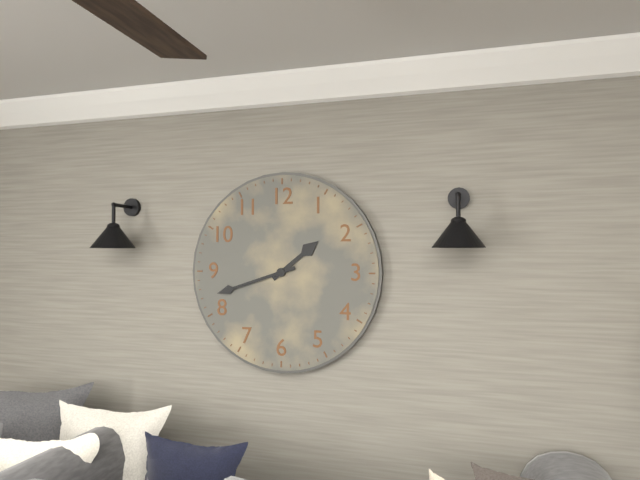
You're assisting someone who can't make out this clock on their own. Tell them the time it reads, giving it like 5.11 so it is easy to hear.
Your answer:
1.42
